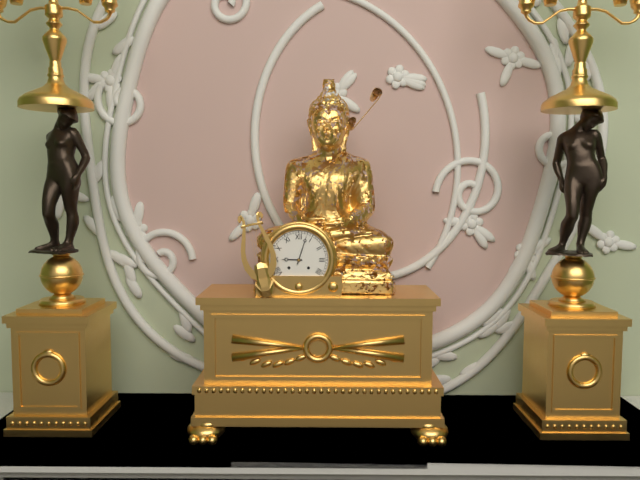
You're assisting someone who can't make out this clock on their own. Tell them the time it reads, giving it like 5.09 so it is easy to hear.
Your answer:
9.03
